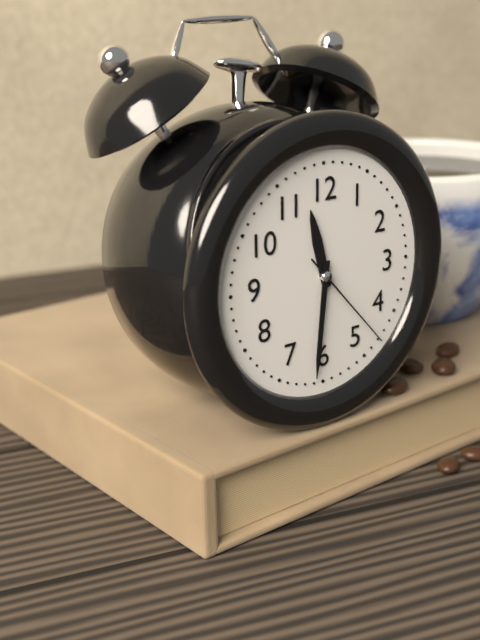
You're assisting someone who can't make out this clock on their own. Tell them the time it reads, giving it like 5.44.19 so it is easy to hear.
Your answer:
11.31.23
